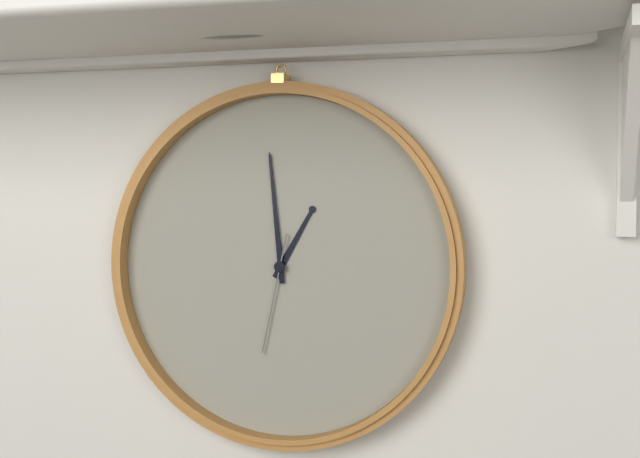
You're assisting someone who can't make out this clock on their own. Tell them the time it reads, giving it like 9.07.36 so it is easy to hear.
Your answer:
12.59.32
